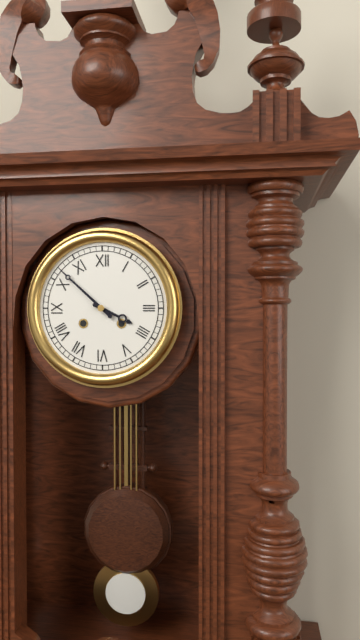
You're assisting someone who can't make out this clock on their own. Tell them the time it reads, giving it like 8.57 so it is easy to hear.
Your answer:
3.52
